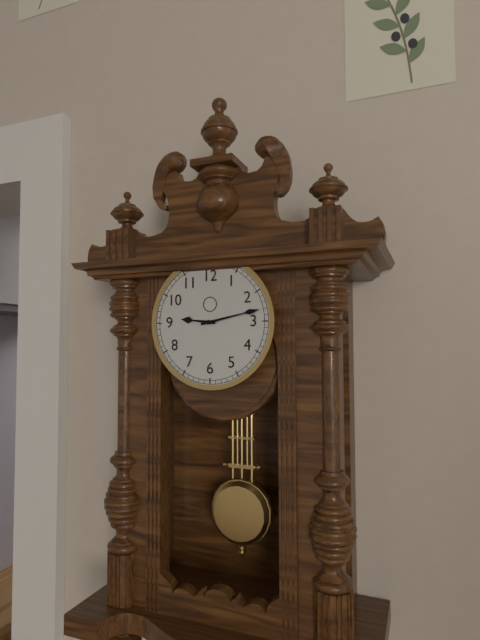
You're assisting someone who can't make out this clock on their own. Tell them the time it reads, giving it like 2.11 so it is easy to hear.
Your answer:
9.13
